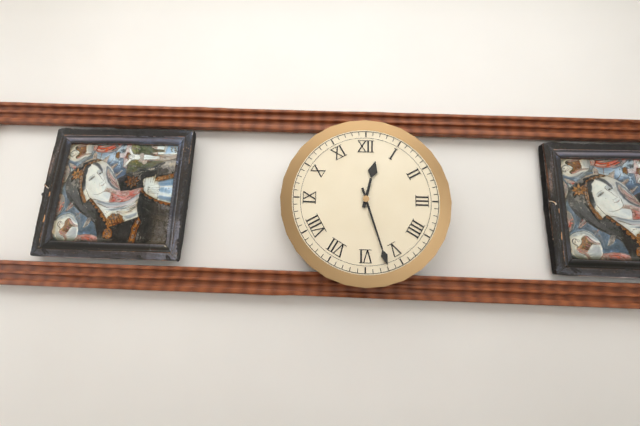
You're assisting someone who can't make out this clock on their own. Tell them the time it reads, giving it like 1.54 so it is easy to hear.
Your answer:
12.27
